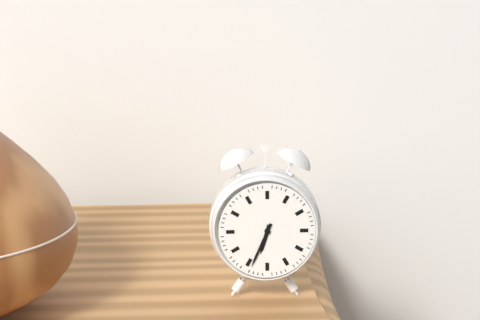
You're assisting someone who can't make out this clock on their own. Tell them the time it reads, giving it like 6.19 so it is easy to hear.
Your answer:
6.34
